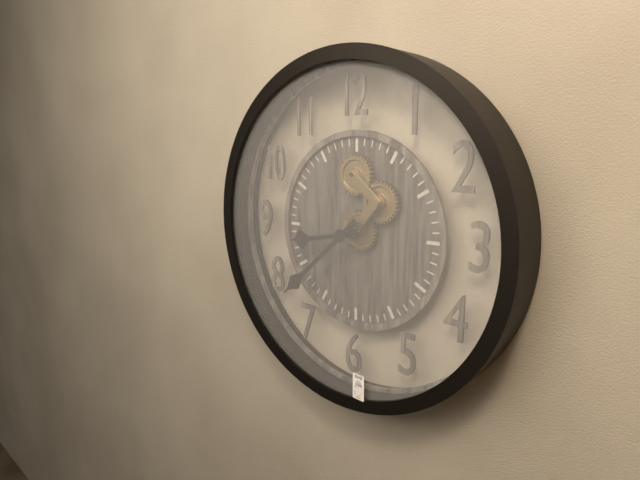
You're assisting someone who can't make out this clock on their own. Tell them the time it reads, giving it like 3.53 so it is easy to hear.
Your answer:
8.38
